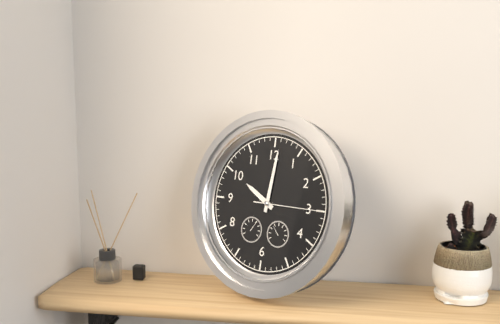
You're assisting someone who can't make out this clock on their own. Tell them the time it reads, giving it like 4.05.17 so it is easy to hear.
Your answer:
10.01.15
